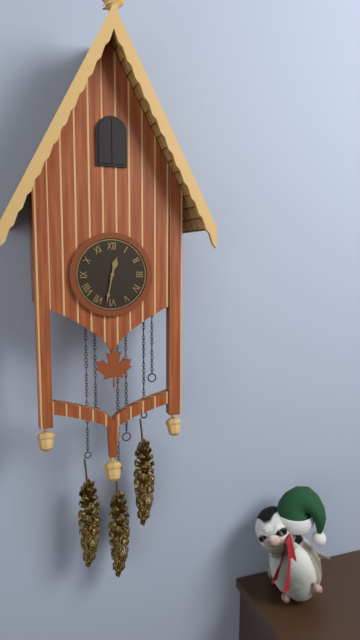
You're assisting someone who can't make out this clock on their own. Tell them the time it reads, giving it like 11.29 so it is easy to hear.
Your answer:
12.32
